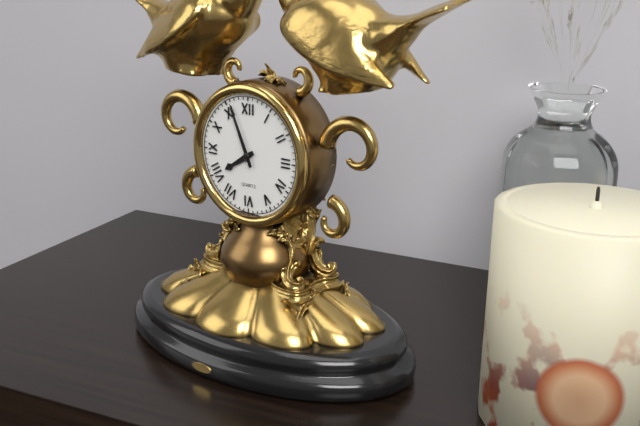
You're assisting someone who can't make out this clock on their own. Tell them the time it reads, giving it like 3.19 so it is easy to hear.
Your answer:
7.56
